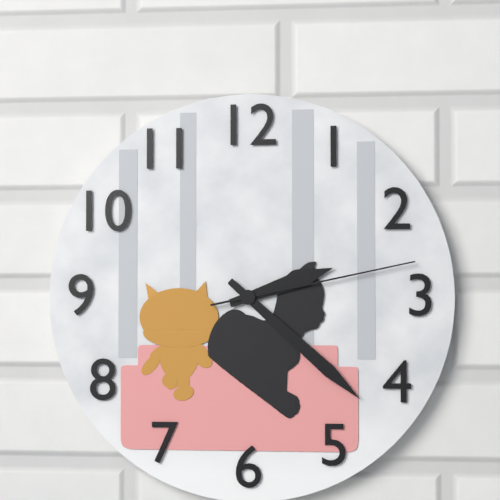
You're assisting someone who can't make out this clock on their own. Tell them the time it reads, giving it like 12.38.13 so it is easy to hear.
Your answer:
2.22.13
